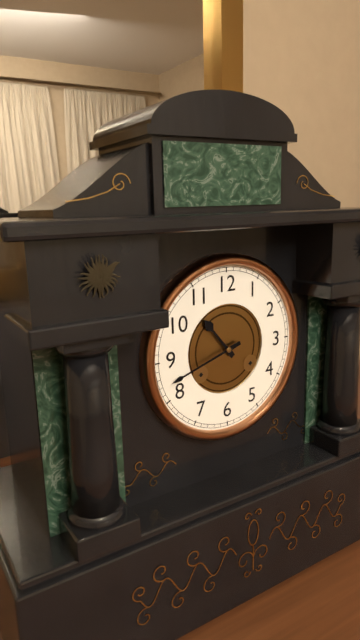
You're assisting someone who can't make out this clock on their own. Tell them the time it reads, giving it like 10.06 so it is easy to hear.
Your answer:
10.42
